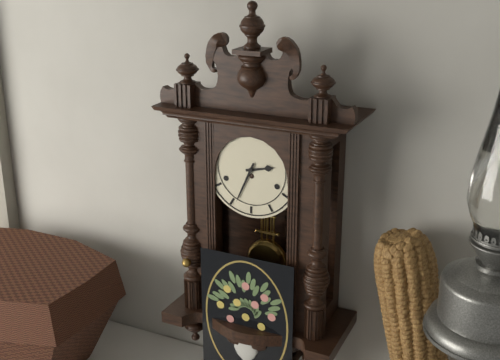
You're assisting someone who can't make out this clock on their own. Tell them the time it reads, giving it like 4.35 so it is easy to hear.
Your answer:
2.34
